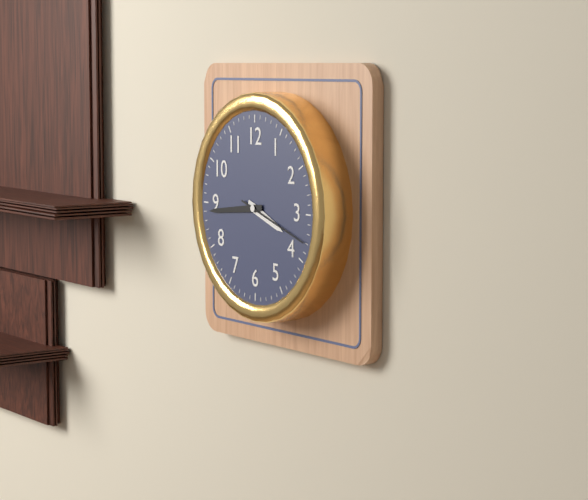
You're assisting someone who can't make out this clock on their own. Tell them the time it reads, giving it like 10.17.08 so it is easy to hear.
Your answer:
3.44.18
